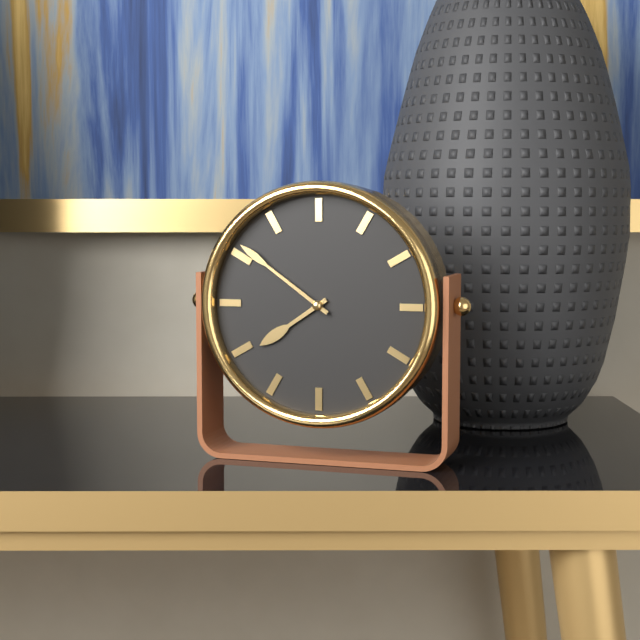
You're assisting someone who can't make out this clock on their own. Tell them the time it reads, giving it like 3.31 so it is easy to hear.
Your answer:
7.51
